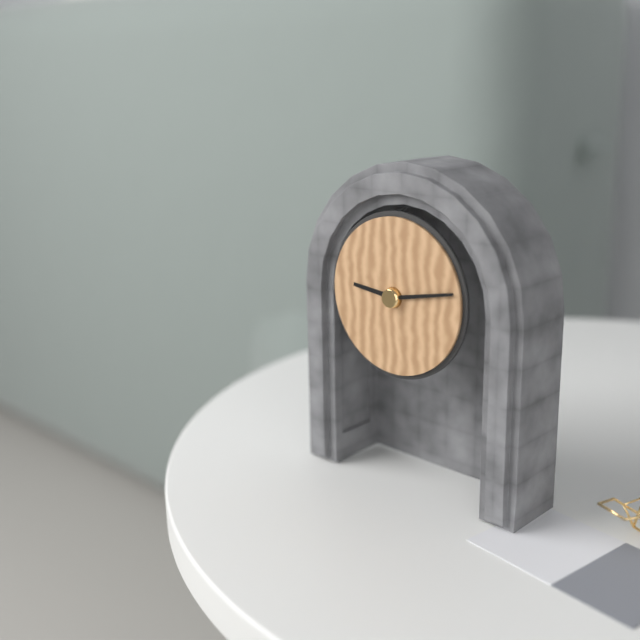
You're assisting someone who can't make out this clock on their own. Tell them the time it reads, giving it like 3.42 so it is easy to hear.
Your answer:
9.13
